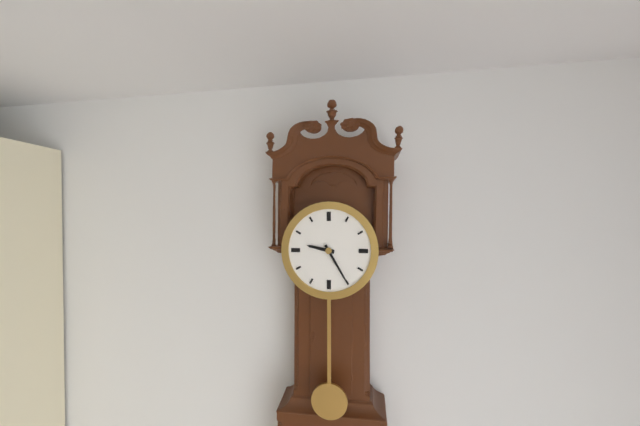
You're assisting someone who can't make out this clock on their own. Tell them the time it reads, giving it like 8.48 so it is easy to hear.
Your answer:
9.25
